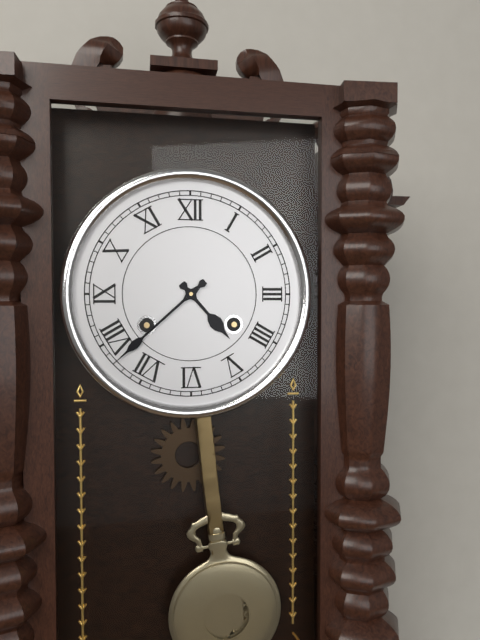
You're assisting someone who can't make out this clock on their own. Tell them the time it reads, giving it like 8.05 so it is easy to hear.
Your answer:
4.38
